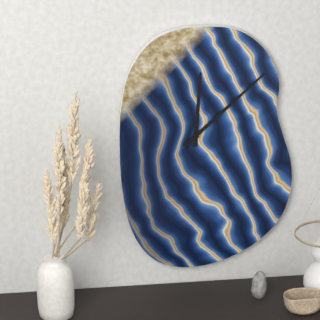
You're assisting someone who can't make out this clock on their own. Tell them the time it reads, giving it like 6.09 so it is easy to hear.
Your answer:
12.08
